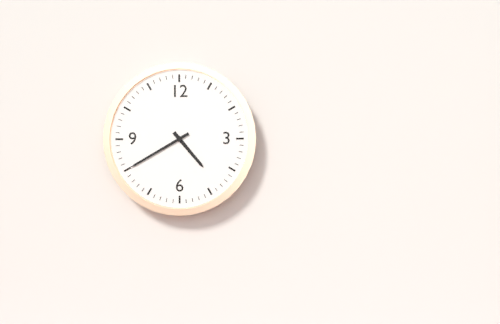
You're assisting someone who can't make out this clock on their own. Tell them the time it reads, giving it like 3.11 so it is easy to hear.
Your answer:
4.40
